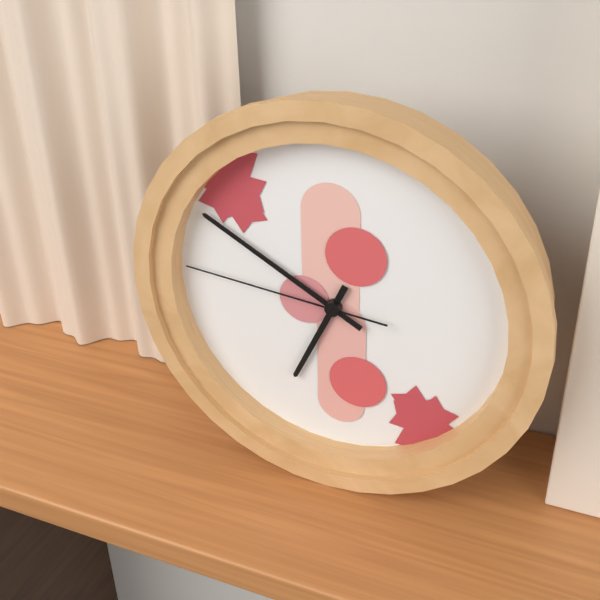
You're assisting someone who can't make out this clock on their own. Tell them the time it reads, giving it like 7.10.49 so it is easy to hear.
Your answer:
6.50.46
